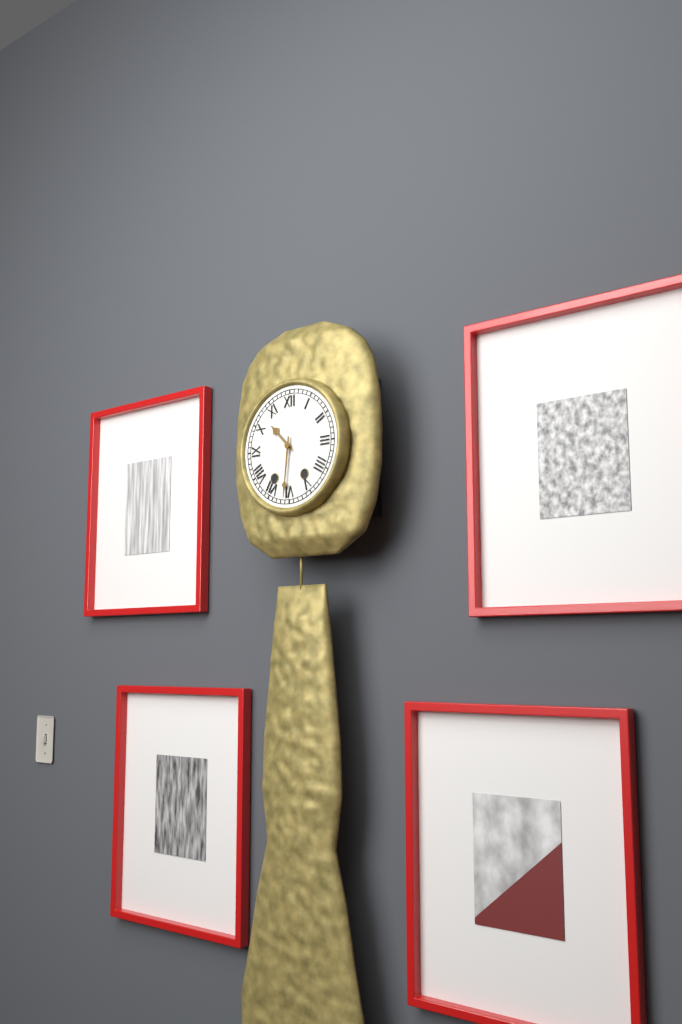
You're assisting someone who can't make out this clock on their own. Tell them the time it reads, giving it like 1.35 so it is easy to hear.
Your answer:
10.31
